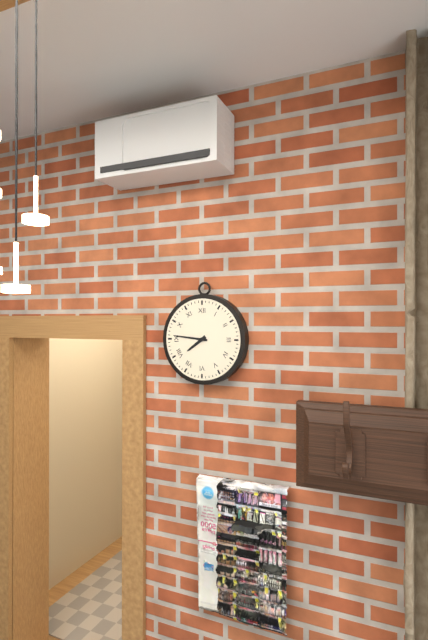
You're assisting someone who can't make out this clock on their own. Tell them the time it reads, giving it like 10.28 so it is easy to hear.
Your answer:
7.46
